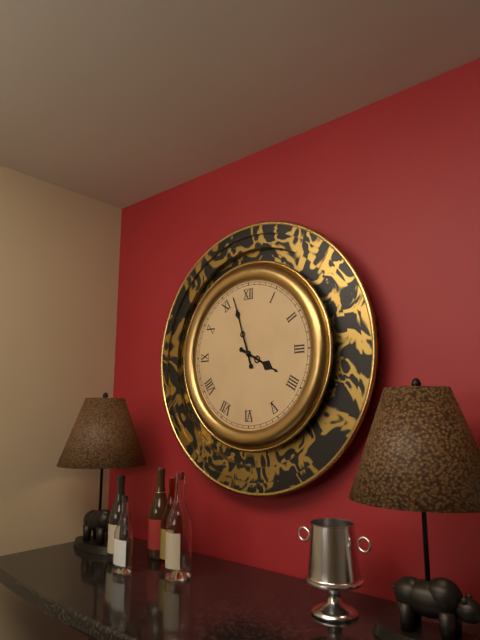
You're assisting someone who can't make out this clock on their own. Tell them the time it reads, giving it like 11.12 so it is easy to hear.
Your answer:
3.57
